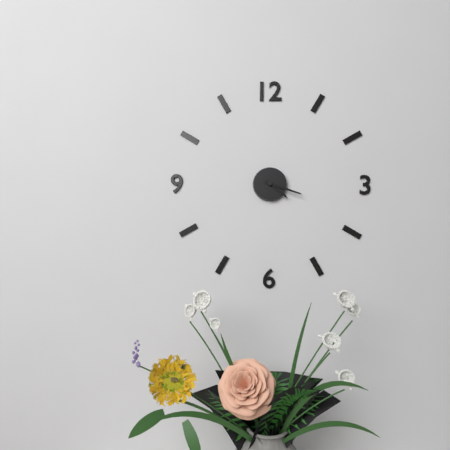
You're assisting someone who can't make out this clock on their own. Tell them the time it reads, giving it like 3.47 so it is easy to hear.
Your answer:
4.18
